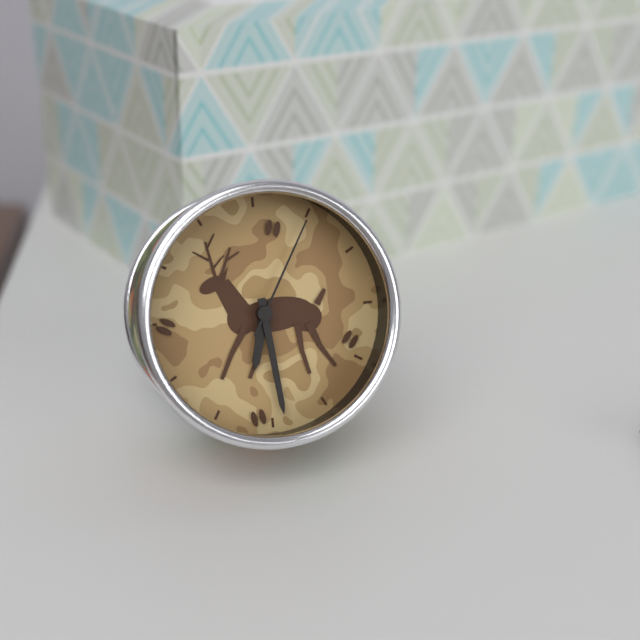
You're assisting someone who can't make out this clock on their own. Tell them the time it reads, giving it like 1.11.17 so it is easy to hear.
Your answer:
6.29.05
